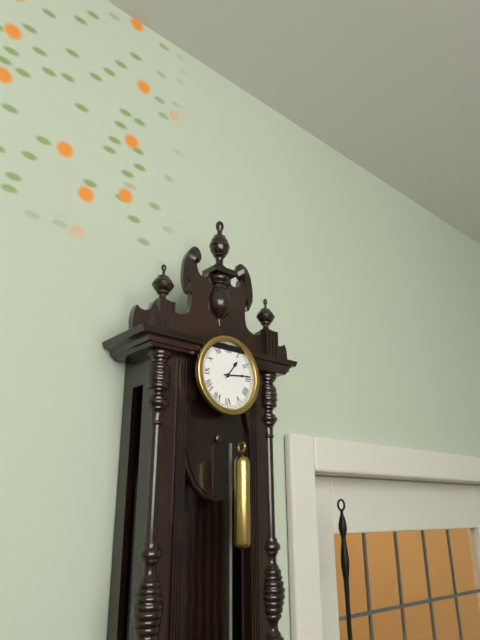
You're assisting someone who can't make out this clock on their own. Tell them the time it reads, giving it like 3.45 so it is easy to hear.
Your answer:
1.14
